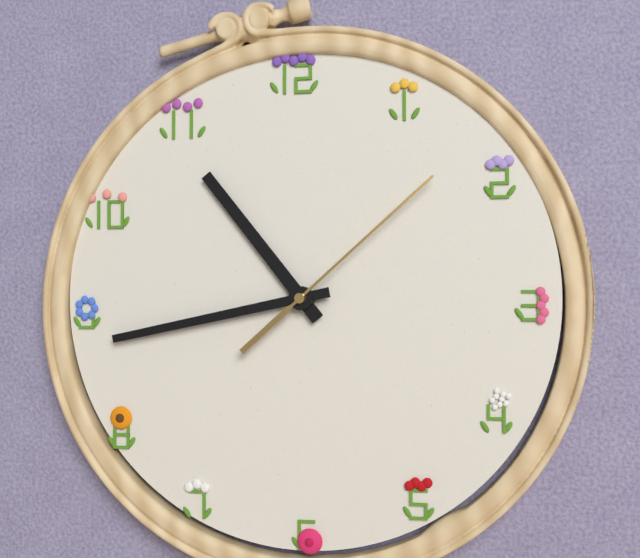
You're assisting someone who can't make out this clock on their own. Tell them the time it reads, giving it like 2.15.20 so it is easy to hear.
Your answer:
10.43.08
